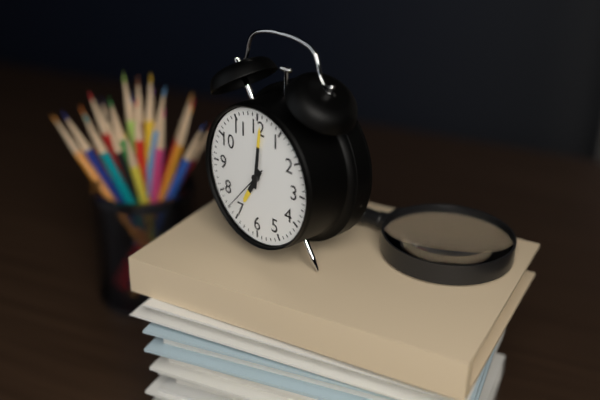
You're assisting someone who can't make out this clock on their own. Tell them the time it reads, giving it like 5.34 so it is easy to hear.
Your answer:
7.01
